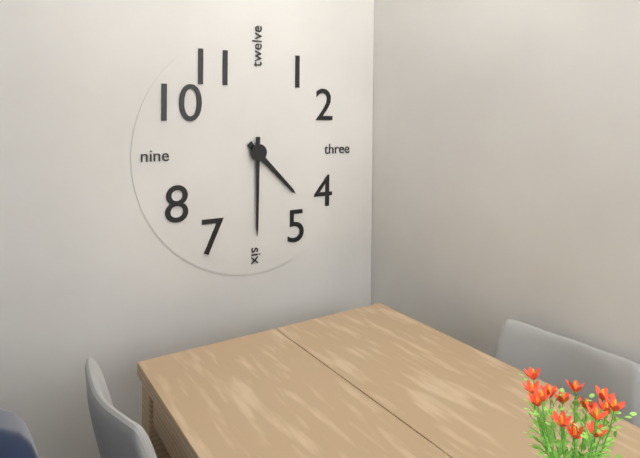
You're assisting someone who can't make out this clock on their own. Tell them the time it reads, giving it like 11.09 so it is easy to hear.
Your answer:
4.30
